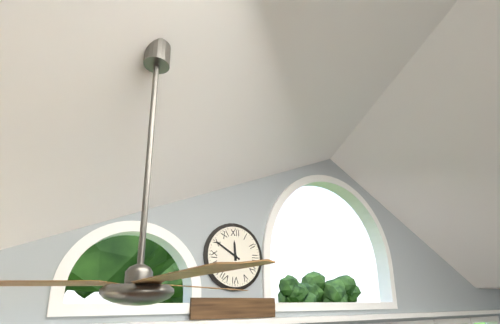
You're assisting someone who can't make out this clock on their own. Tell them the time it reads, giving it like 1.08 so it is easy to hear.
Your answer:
11.50
